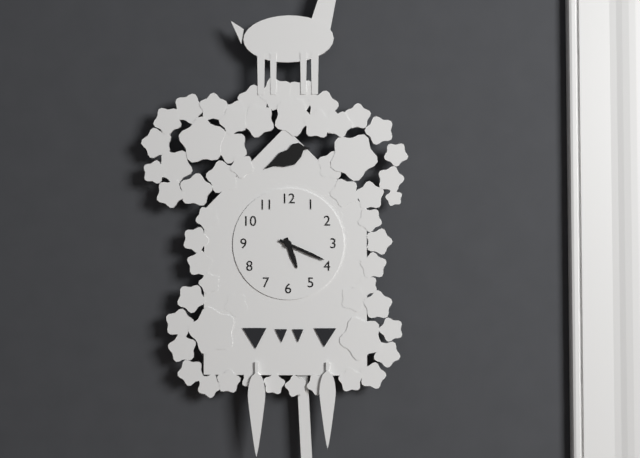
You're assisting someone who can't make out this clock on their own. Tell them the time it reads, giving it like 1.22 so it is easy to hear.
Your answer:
5.19
